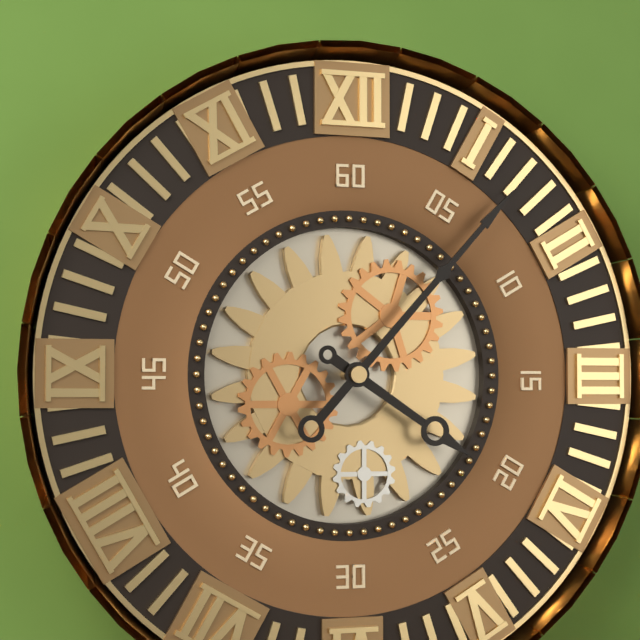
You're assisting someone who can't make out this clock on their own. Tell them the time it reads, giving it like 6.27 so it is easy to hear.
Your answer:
4.07
